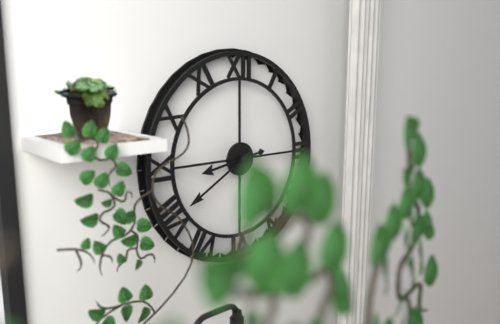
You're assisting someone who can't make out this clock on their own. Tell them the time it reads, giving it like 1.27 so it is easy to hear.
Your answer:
8.40
